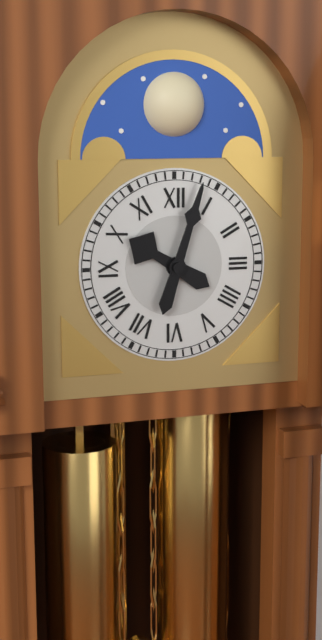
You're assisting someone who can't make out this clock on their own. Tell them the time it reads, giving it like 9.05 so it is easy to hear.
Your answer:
10.03
